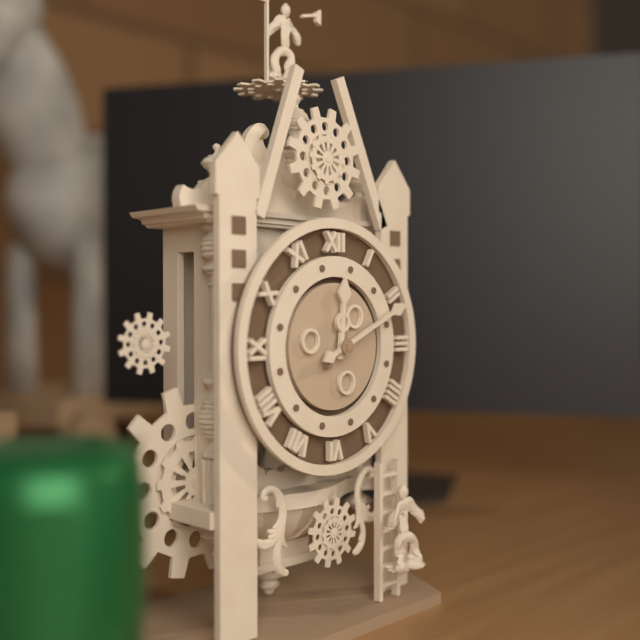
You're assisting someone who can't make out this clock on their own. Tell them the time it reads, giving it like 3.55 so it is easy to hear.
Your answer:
12.11
